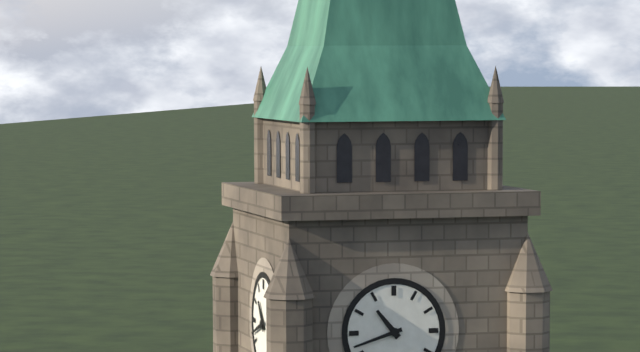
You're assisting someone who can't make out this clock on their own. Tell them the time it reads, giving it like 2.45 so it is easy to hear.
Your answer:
10.42
